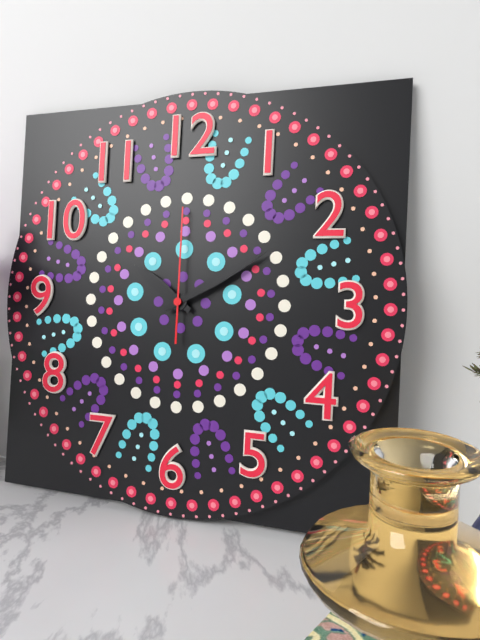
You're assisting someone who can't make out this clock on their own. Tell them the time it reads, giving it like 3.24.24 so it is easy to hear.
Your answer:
10.10.00
